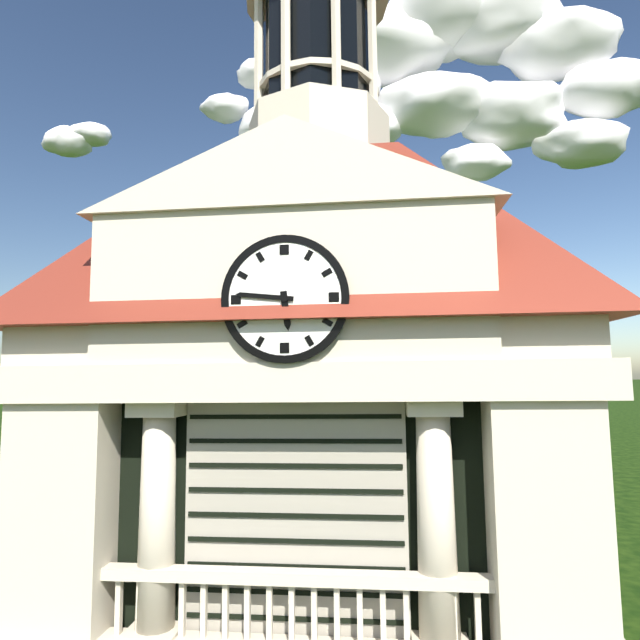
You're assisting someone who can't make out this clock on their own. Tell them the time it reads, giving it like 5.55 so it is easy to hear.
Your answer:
5.46
